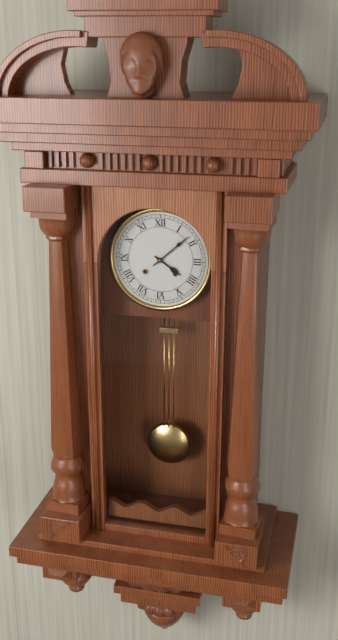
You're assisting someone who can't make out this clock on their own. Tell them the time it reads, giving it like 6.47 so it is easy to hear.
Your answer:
4.08
